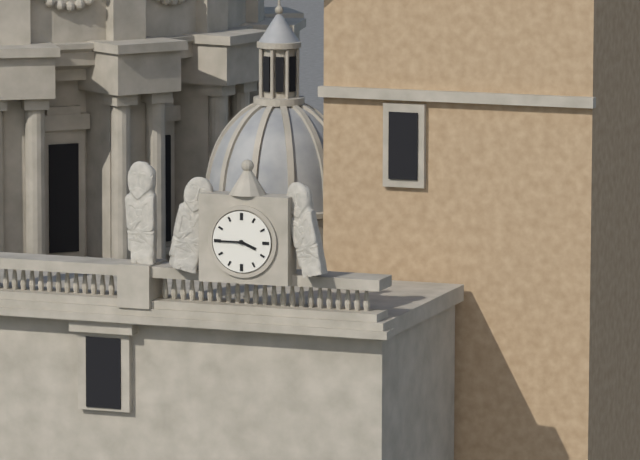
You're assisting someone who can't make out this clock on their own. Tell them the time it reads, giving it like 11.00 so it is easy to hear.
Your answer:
3.45
